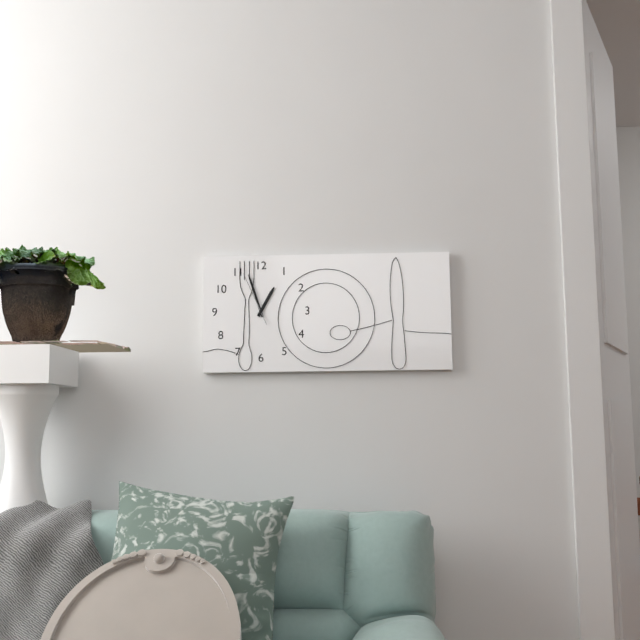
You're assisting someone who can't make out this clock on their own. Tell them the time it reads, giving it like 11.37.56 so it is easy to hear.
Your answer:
12.57.56
